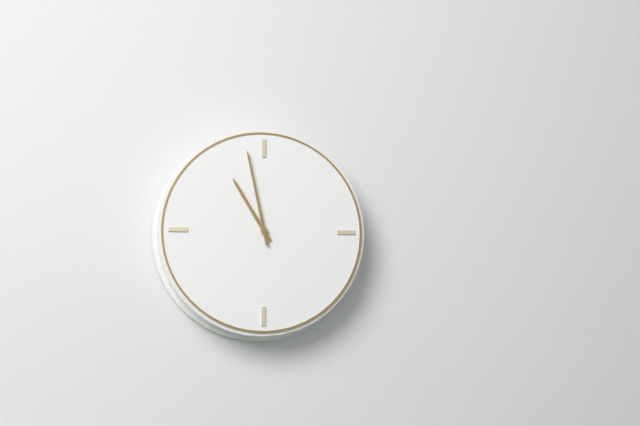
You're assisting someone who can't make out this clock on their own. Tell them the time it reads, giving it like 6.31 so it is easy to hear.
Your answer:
10.58
